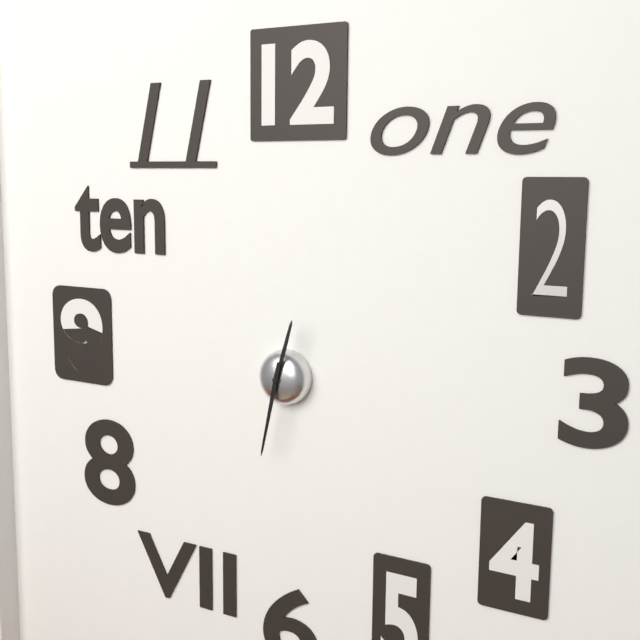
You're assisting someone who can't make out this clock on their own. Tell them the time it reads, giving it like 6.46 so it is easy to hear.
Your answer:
12.32
